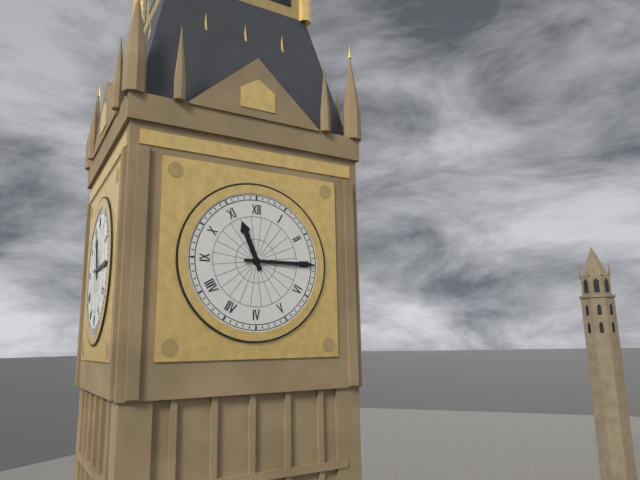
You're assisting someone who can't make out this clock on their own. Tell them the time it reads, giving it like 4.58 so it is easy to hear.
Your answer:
11.15
